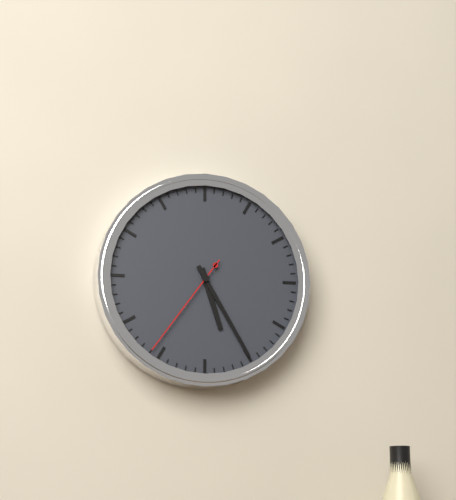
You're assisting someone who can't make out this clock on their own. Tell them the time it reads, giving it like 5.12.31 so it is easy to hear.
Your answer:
5.25.36
